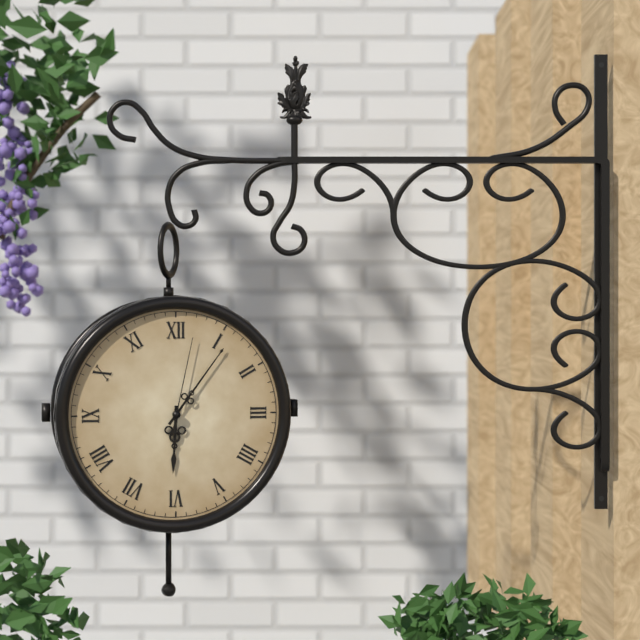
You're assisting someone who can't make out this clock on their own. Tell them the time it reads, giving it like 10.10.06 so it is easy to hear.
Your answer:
6.06.02
